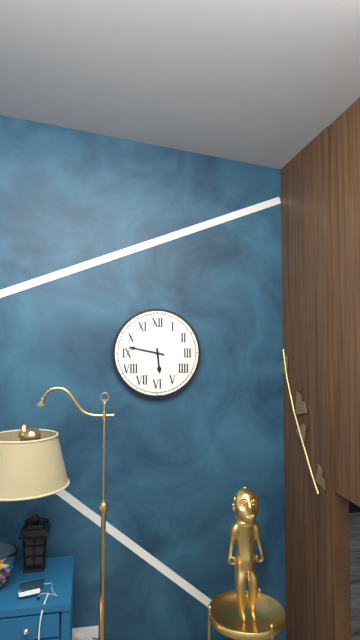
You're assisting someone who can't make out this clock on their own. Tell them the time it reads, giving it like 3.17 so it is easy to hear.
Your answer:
5.47
